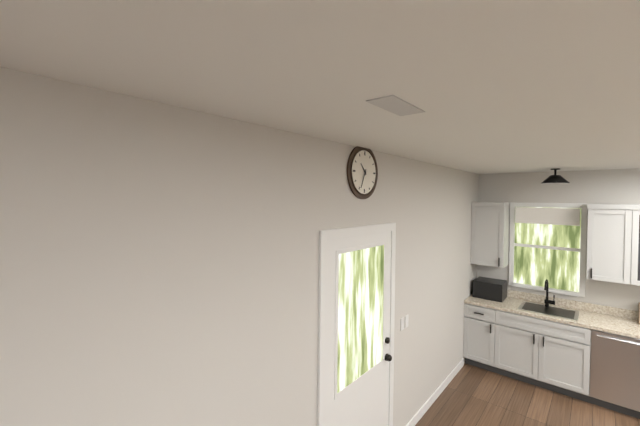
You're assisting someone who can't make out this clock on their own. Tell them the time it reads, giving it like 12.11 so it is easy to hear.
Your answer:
10.34
